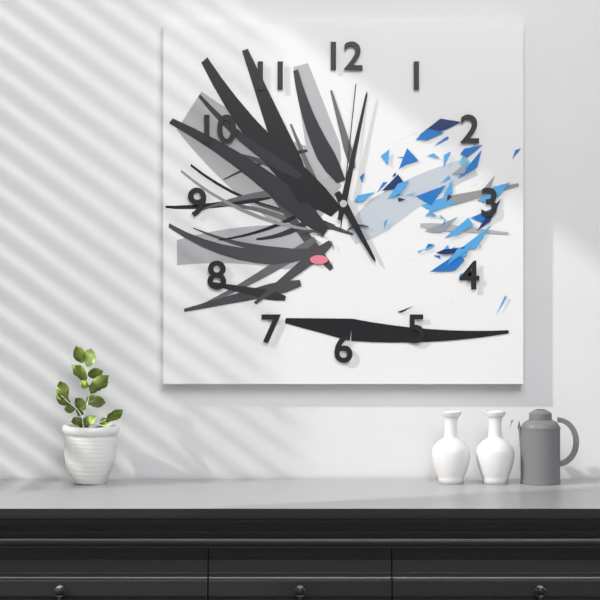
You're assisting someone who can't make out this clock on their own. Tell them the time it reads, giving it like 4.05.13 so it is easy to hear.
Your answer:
5.02.01
